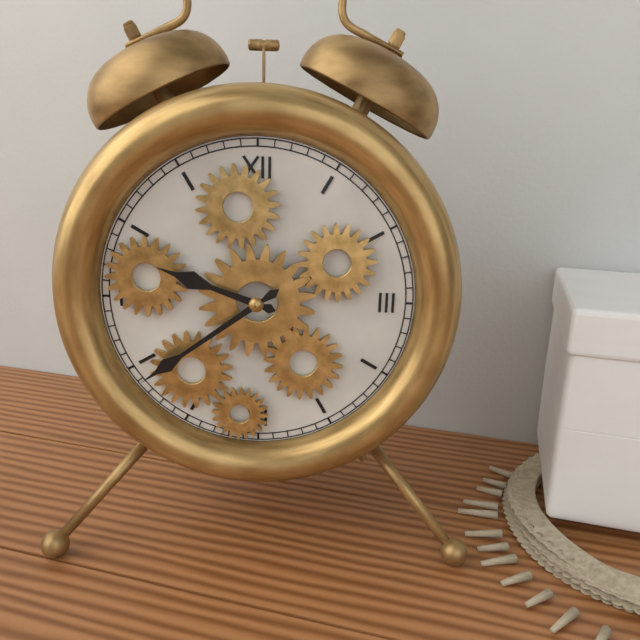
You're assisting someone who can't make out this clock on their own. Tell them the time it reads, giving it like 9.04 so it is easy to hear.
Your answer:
9.39
